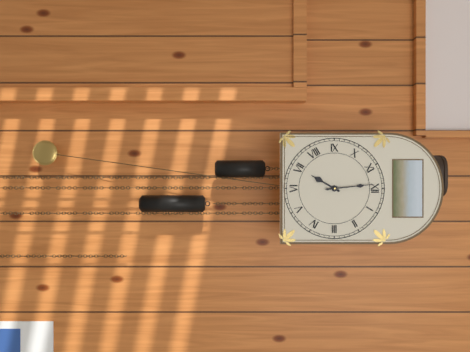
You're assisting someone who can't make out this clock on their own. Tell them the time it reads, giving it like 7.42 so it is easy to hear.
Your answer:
6.59
